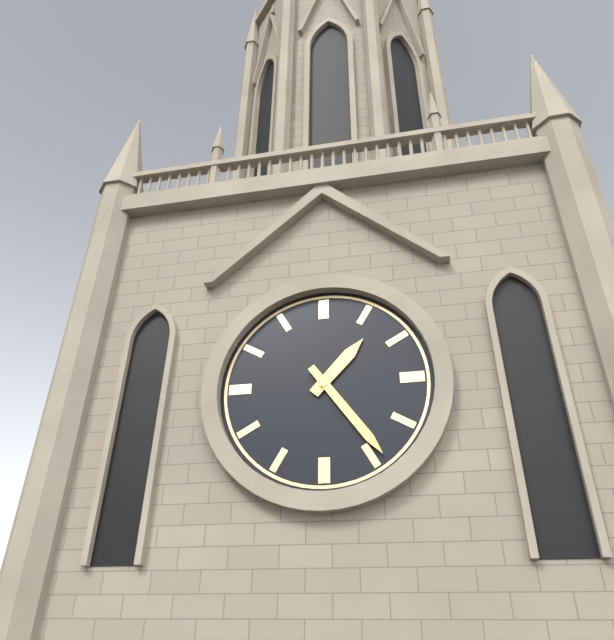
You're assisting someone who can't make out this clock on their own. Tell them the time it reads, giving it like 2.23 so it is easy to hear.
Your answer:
1.24
